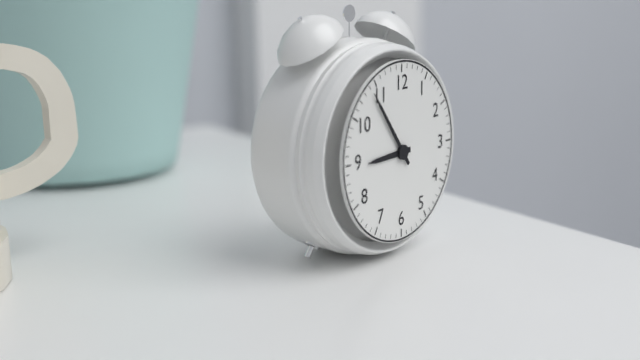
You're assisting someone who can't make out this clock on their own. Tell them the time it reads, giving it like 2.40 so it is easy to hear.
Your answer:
8.54
